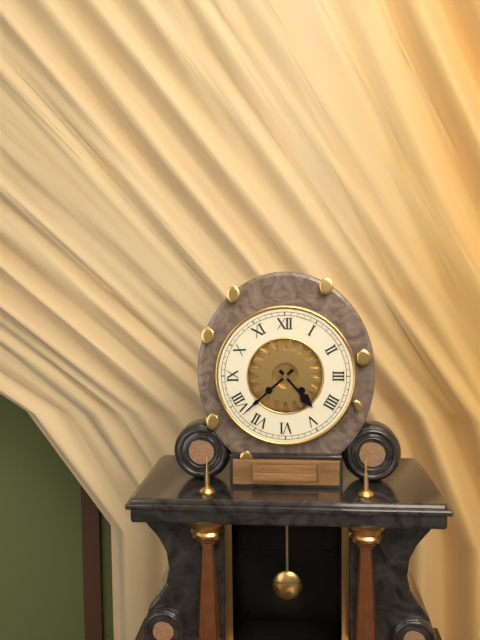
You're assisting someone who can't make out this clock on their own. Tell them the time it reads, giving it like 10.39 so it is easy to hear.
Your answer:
4.38
